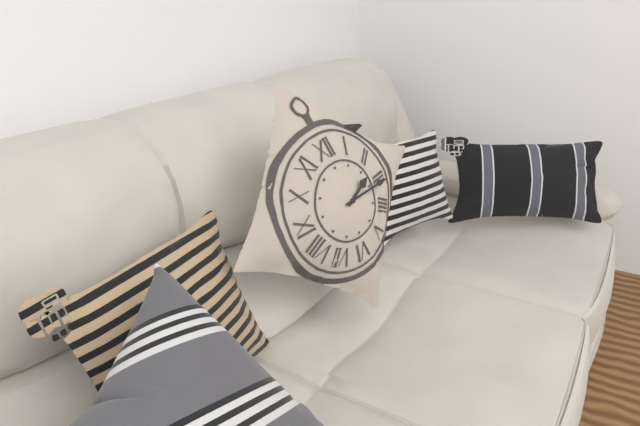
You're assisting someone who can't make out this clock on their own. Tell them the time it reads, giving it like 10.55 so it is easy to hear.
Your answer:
2.15
